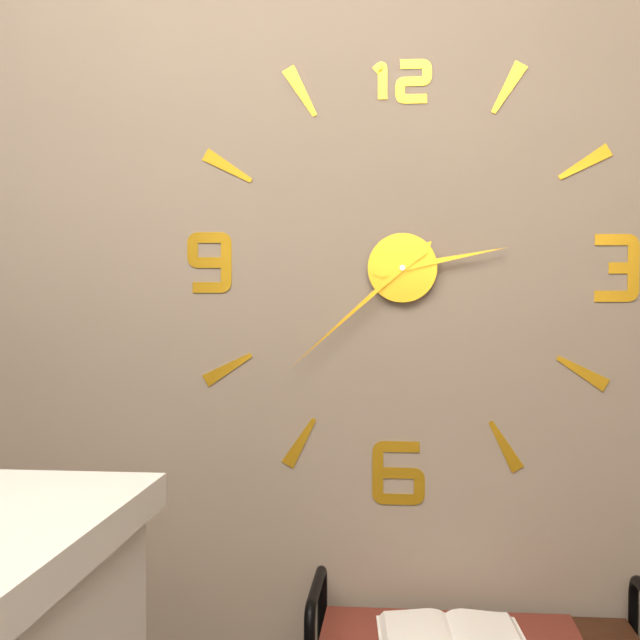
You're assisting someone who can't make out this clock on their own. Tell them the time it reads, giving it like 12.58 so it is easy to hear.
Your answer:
2.38
